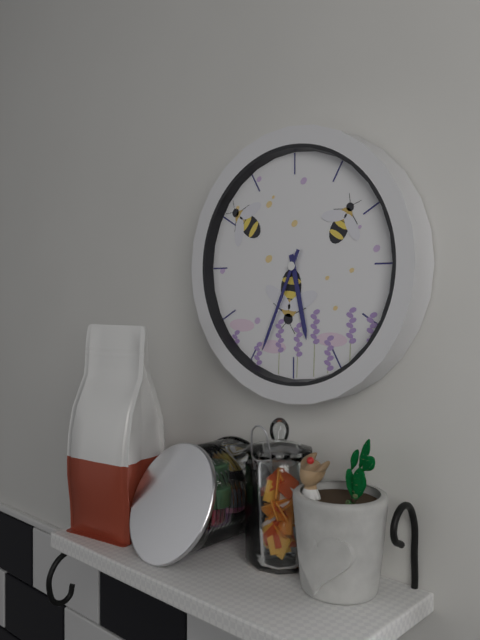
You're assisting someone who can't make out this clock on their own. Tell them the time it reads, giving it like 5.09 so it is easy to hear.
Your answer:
5.34
